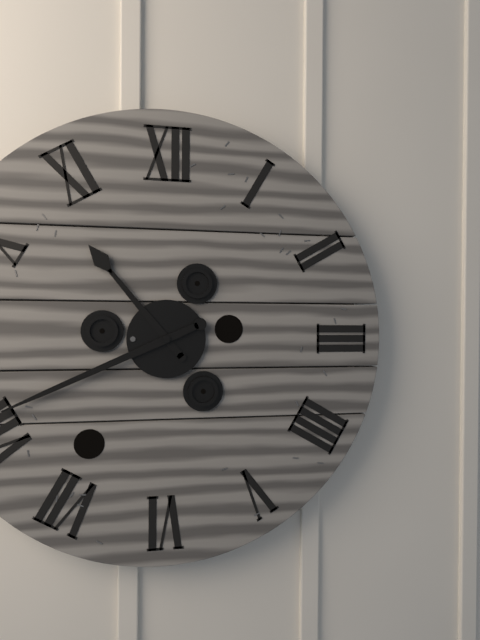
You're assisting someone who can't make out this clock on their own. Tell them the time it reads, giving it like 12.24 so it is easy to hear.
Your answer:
10.41
